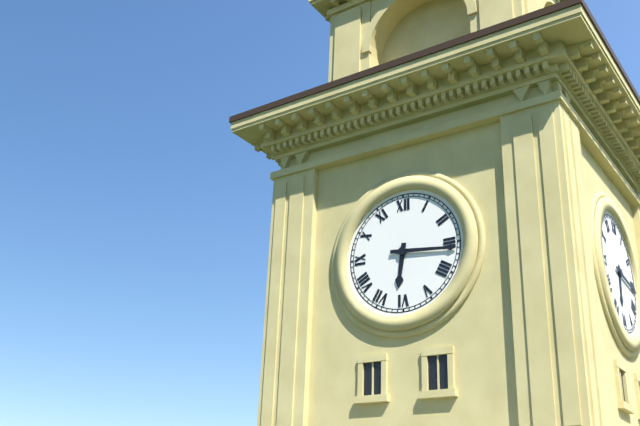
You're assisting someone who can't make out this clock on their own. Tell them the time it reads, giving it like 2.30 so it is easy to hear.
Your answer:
6.16
